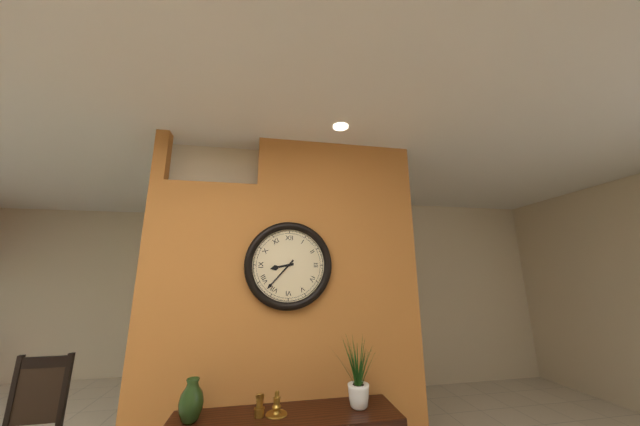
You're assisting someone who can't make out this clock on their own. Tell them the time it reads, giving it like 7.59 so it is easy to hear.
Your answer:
8.37
